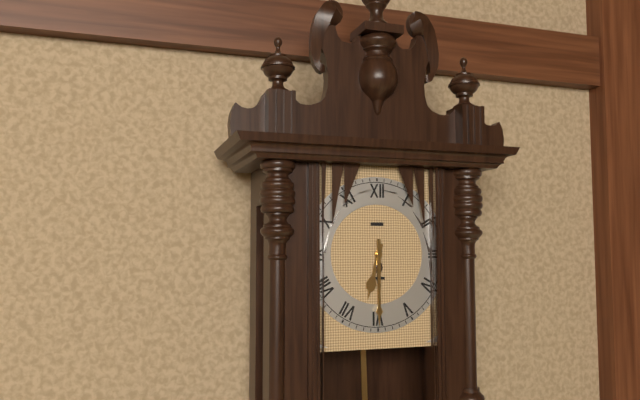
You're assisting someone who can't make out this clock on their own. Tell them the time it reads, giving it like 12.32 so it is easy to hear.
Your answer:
6.30
